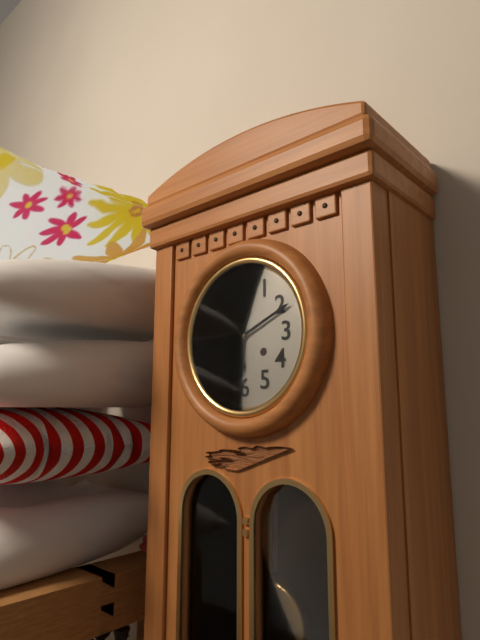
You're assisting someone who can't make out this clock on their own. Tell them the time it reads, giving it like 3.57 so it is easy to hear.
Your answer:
6.11
